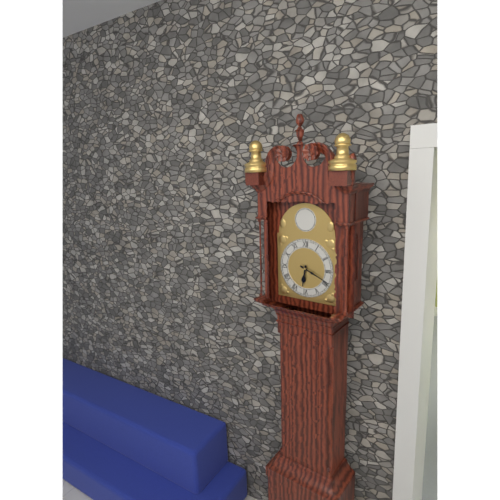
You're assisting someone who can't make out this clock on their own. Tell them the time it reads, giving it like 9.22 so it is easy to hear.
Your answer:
6.19
